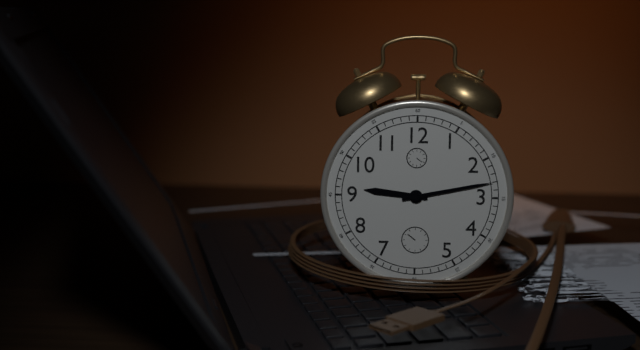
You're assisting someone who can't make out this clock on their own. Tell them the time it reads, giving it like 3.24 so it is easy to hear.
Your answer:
9.13
